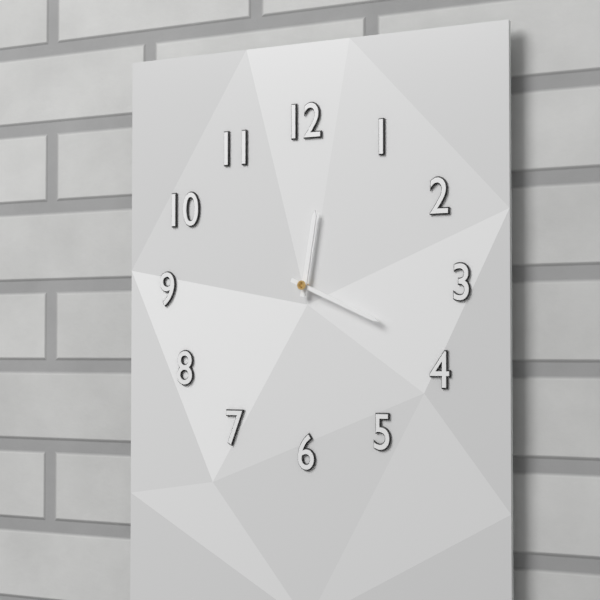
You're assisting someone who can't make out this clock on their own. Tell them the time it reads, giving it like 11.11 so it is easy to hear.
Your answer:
12.19
